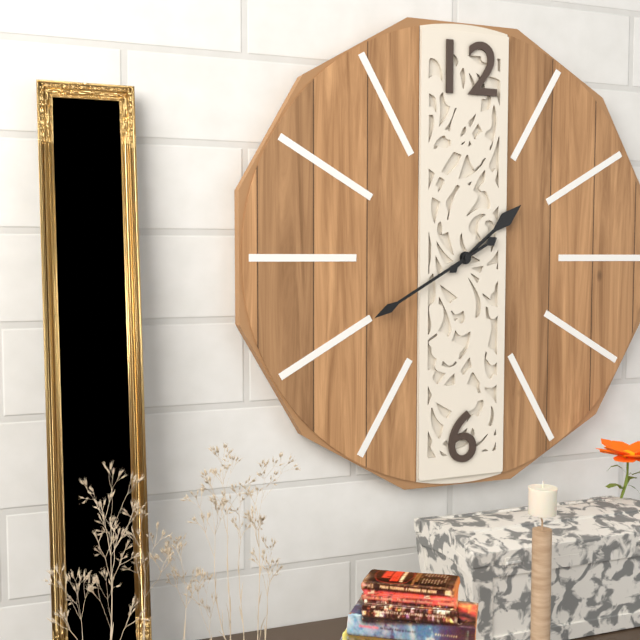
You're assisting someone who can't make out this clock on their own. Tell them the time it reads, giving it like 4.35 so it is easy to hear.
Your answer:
1.40
